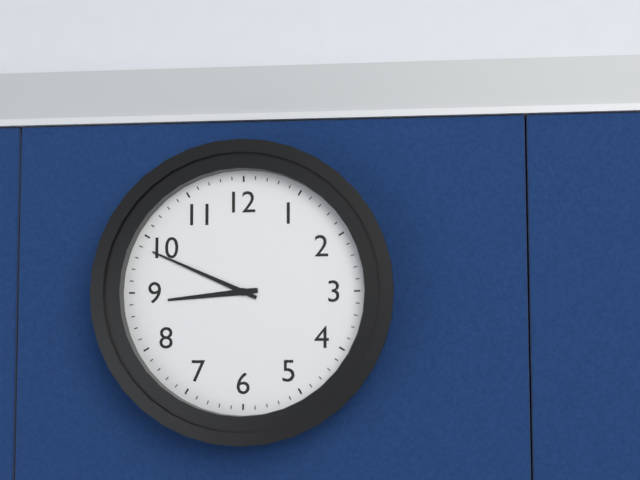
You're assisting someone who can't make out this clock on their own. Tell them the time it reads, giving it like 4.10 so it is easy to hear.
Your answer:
8.49
